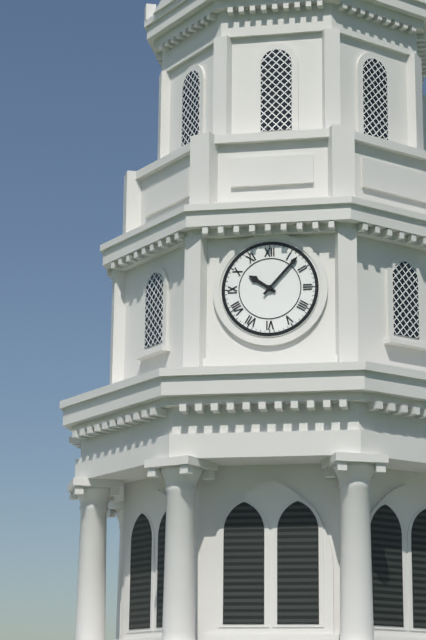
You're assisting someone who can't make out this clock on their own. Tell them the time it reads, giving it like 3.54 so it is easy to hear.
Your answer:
10.07
